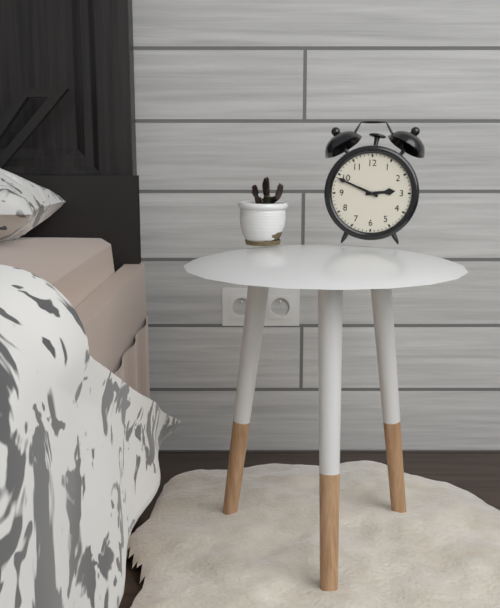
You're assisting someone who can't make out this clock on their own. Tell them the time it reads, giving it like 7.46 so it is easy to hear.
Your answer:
2.49
